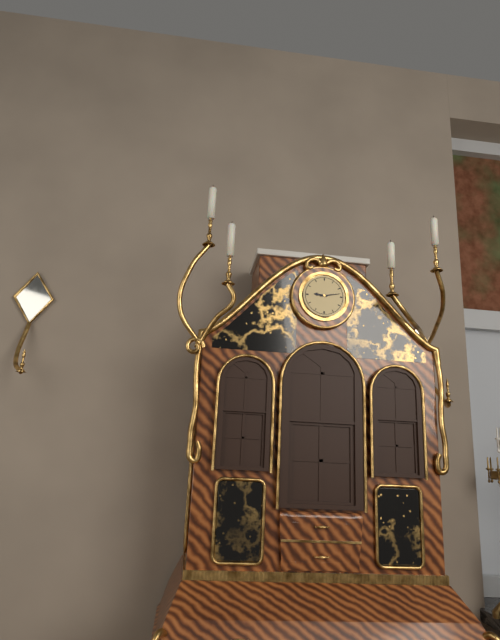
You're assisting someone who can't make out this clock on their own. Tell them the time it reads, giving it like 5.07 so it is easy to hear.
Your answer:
9.13
